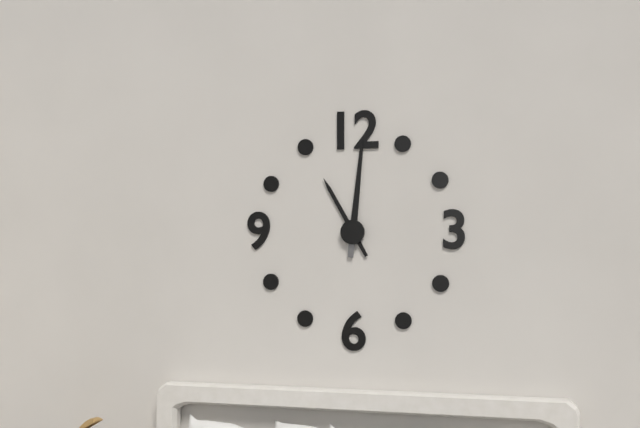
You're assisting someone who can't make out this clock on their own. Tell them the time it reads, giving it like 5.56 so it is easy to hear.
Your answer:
11.01
